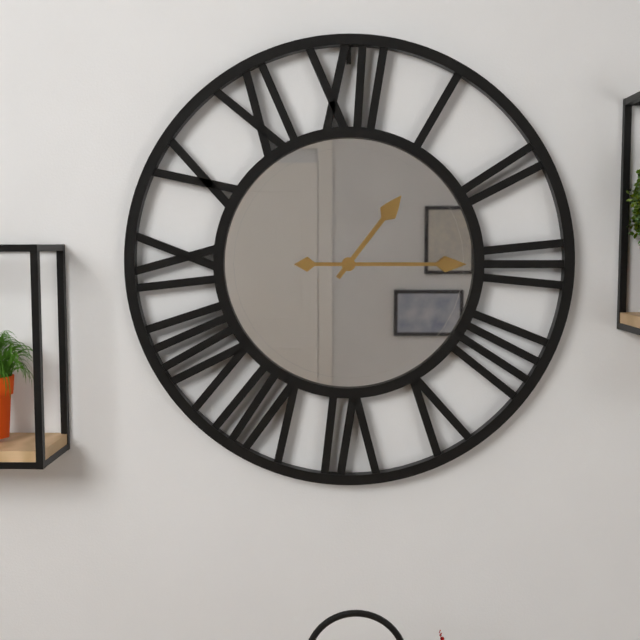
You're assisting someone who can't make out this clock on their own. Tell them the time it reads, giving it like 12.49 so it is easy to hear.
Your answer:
1.15
